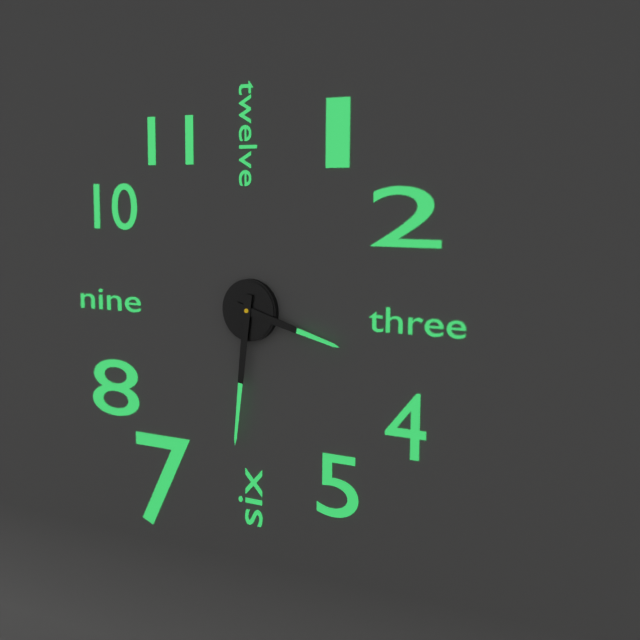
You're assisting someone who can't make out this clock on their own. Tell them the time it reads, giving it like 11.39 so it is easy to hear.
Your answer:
3.31
